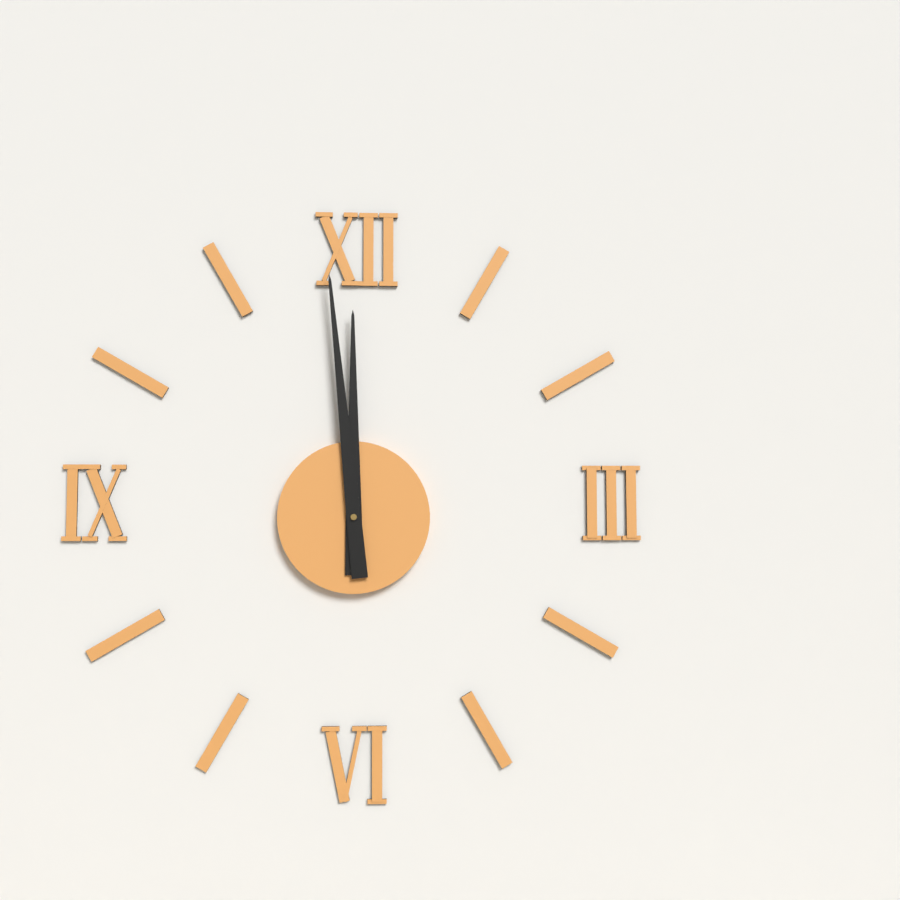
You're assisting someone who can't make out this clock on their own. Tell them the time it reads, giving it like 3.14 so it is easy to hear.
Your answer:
11.59
